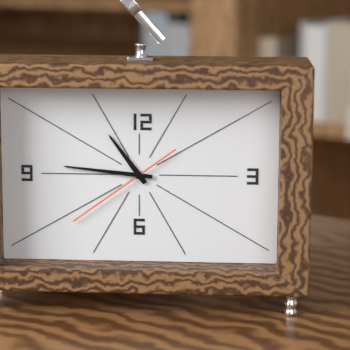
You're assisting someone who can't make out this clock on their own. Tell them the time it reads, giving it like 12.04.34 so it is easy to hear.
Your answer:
10.46.39
